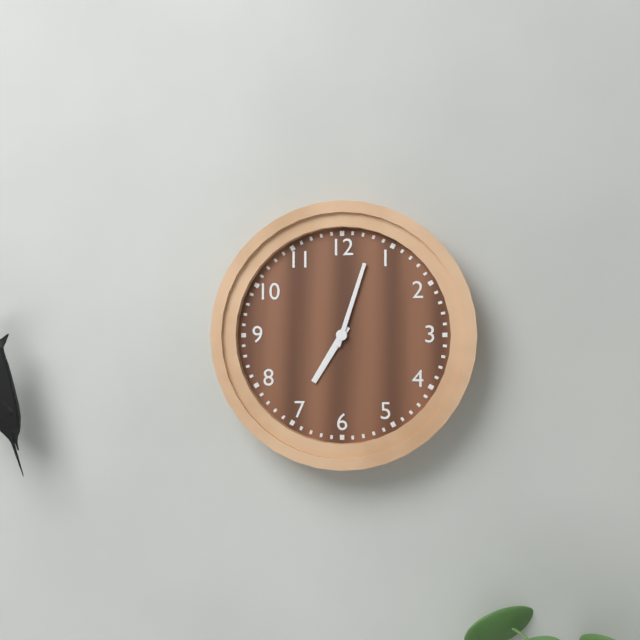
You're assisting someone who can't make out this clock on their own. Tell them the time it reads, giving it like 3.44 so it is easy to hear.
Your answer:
7.03
